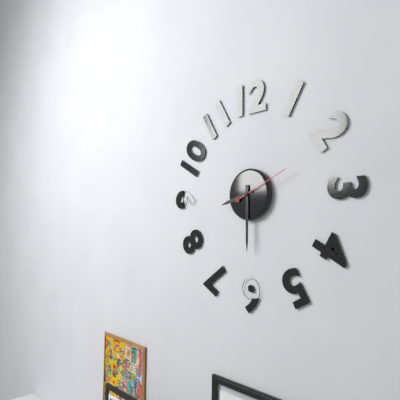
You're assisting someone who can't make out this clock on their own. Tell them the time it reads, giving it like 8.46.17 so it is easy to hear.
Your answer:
8.30.11
